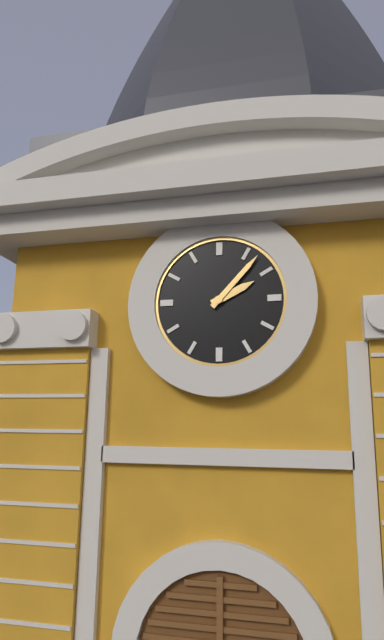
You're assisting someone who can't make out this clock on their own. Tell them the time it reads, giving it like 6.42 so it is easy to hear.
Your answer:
2.07
